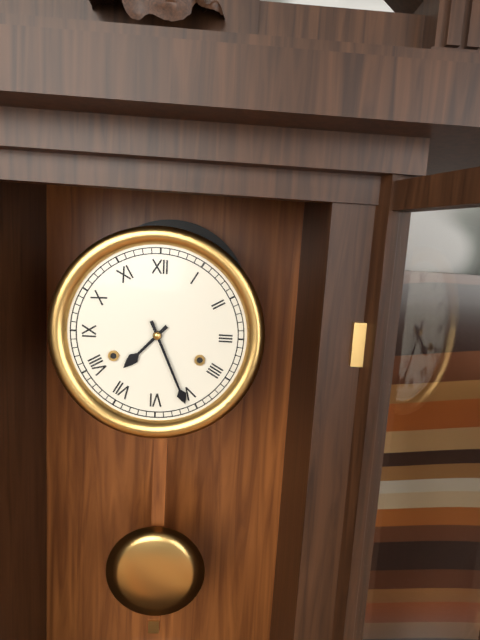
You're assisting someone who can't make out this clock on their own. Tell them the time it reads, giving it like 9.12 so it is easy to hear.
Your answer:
7.26
